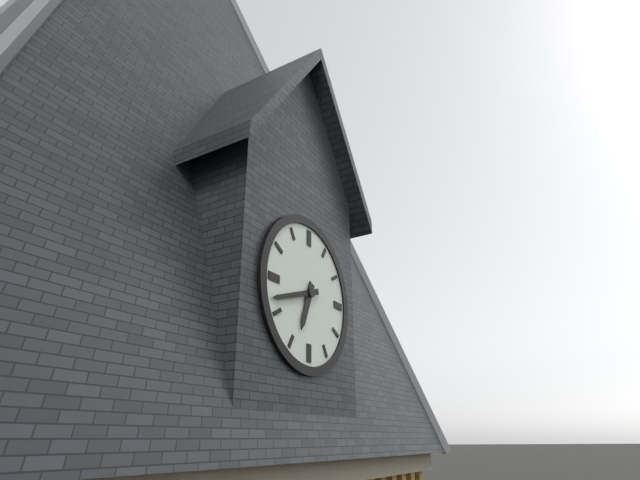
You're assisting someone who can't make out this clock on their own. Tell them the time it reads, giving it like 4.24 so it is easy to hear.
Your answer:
6.42
